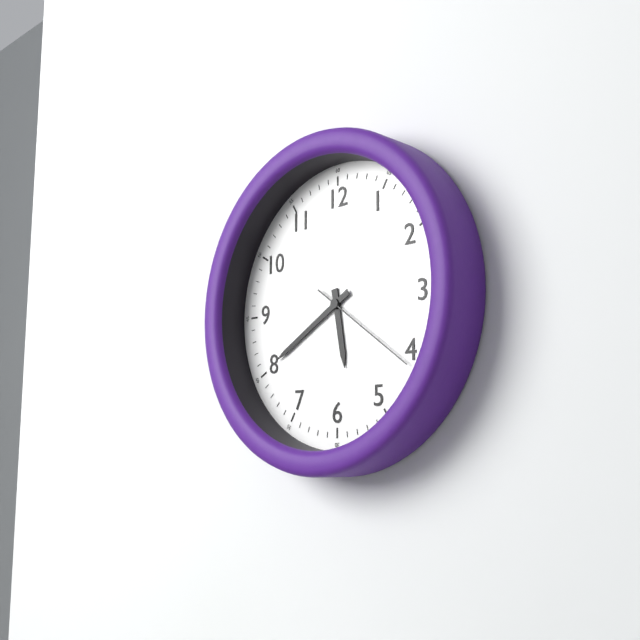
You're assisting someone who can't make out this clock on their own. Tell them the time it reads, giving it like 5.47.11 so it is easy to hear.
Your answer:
5.40.21
